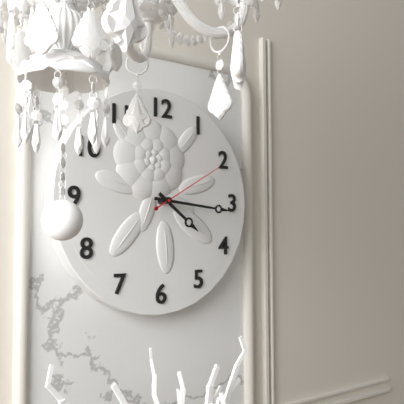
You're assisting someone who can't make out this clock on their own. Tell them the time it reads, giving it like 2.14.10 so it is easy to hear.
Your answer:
4.16.10
